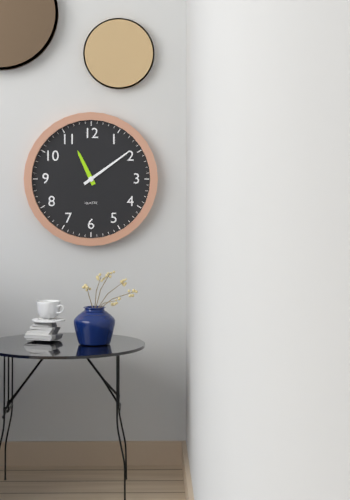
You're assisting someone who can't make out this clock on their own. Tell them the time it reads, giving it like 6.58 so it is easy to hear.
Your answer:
11.09
